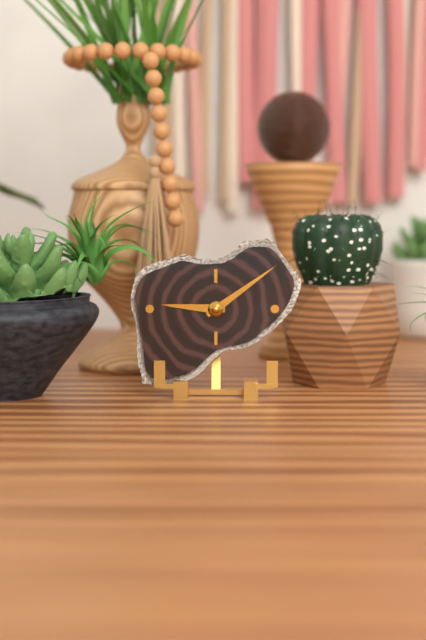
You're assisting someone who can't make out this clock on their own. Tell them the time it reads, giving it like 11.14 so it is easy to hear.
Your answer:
9.09
